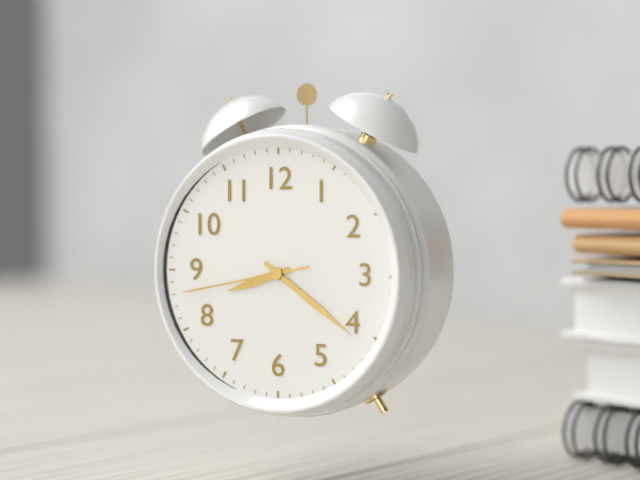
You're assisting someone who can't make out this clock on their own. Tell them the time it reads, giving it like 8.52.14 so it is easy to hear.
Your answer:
8.21.43
